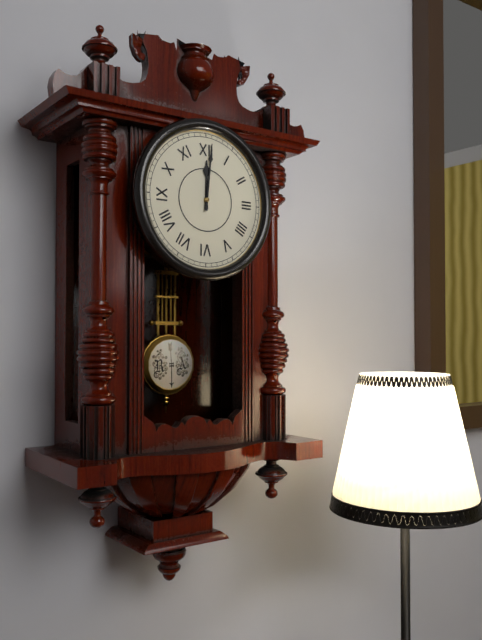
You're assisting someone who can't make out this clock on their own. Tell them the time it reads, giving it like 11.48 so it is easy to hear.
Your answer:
12.01
